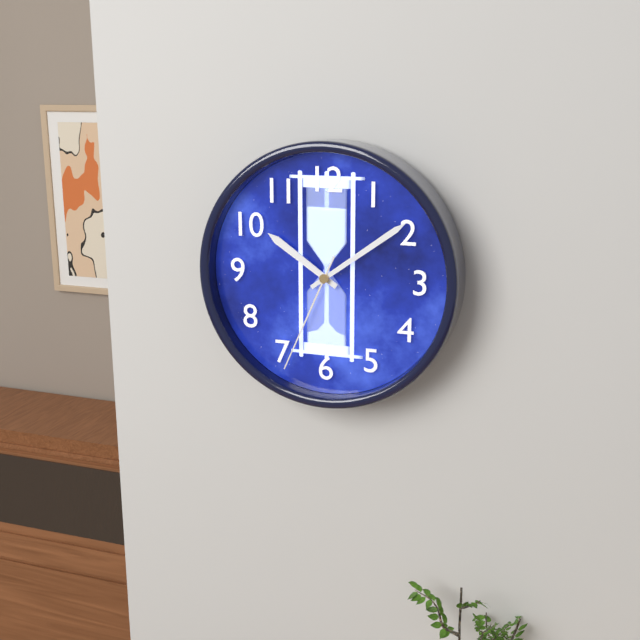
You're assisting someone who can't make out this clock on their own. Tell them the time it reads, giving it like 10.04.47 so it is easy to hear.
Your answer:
10.09.34
